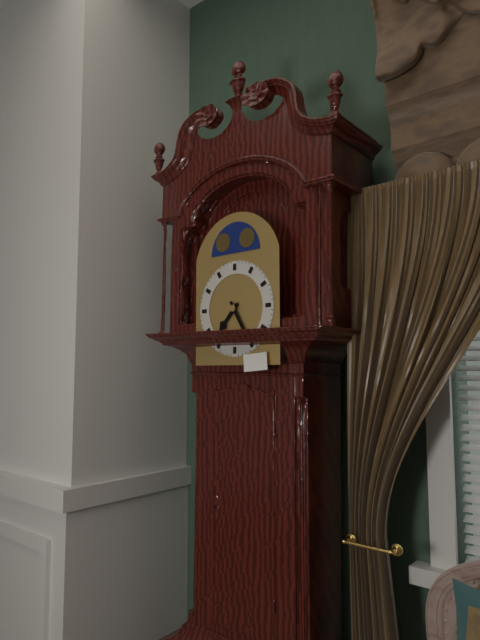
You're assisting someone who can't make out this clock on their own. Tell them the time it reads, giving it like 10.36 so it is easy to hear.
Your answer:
7.25
